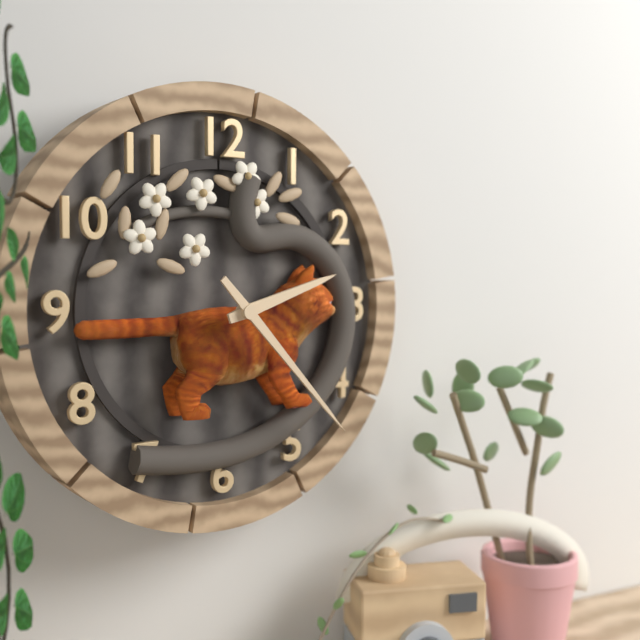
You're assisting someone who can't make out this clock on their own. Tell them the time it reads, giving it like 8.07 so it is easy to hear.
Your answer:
2.23
